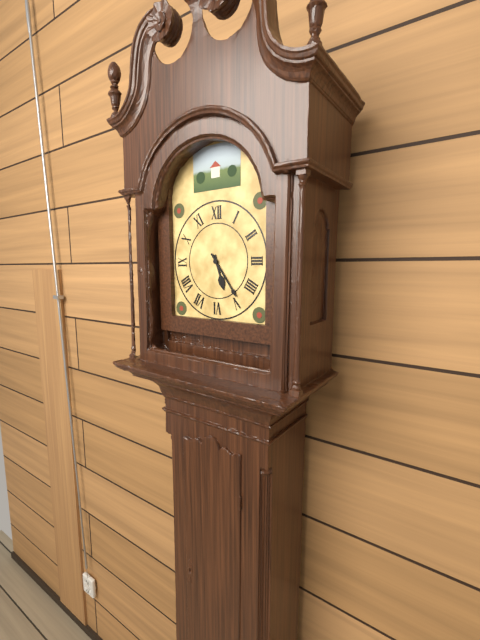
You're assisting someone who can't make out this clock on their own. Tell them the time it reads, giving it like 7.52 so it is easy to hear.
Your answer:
5.24
